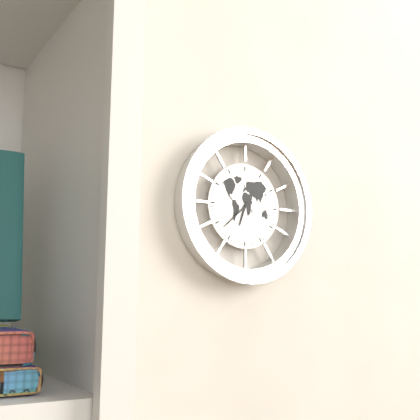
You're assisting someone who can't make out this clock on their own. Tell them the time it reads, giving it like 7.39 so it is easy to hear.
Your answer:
6.38
